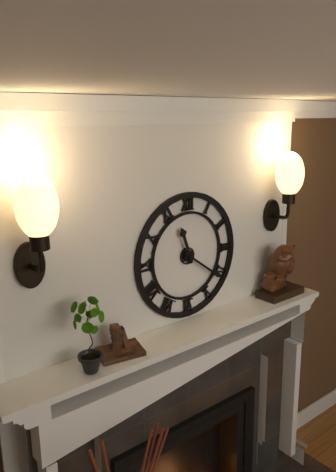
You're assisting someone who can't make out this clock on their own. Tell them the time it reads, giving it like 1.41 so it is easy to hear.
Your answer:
11.21
